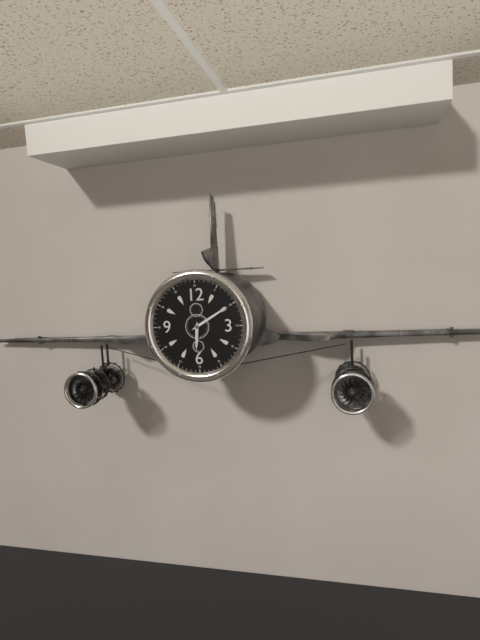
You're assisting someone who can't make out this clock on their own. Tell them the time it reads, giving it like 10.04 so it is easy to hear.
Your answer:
6.10
